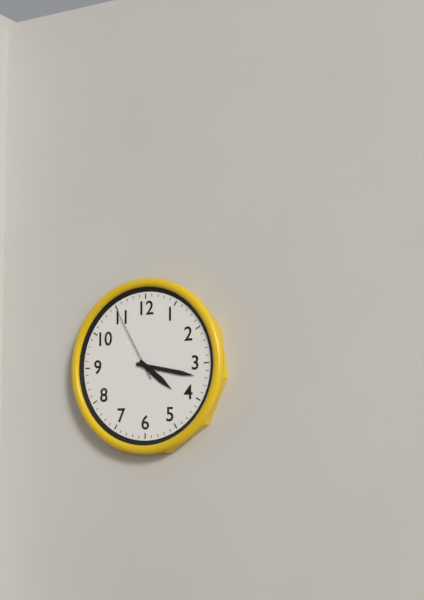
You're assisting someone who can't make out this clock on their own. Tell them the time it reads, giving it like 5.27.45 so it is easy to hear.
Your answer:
4.17.55
